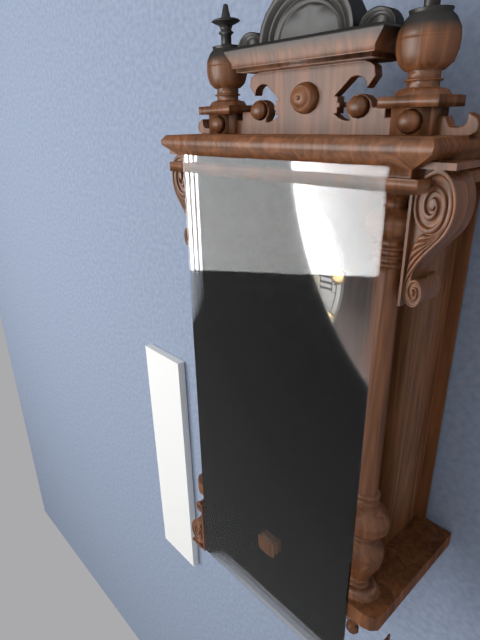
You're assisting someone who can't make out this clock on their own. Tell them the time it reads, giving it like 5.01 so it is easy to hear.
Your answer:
10.14
